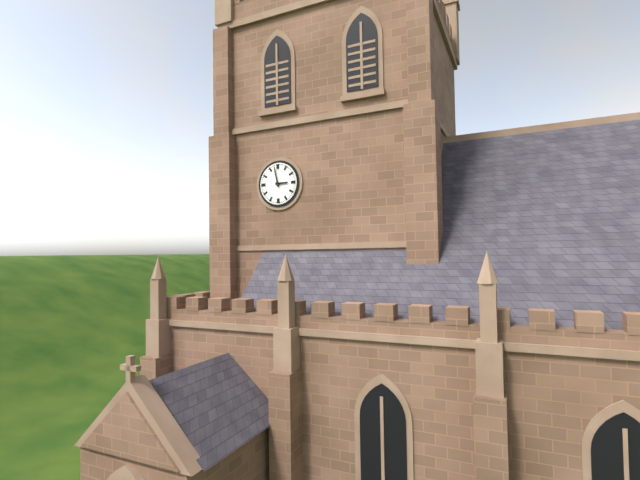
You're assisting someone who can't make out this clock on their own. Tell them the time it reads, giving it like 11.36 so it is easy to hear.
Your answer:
2.58
